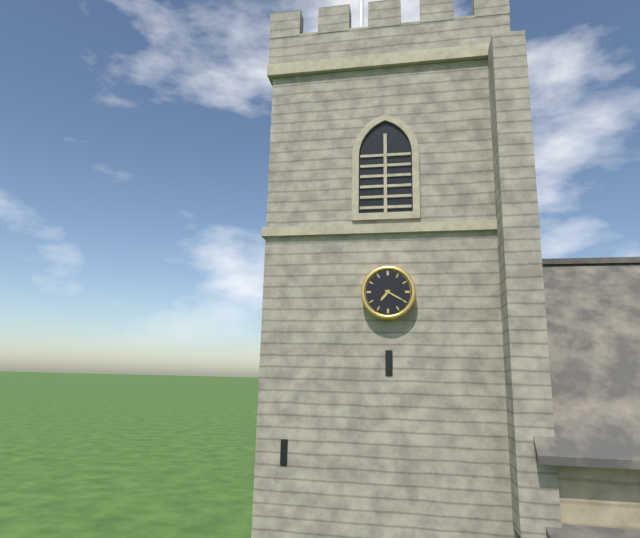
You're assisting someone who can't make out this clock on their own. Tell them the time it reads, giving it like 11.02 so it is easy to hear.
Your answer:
7.20
